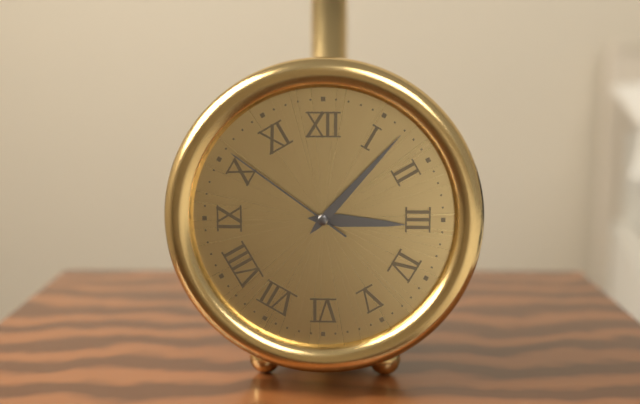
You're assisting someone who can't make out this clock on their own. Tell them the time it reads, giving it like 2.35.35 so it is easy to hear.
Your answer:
3.07.51
